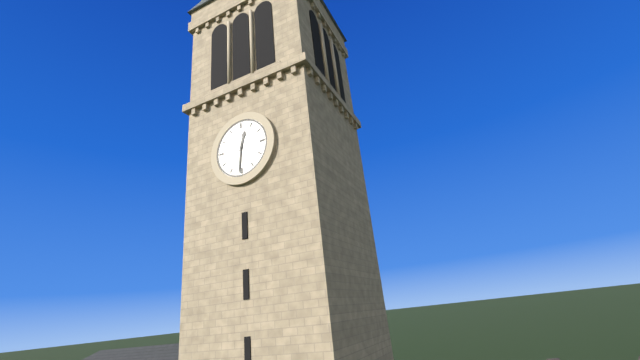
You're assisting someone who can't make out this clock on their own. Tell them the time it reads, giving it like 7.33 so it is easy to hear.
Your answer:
12.31
